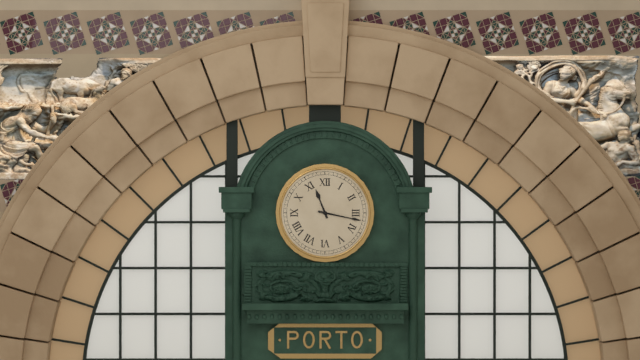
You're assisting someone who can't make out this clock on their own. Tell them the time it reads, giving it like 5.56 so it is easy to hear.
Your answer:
11.17
